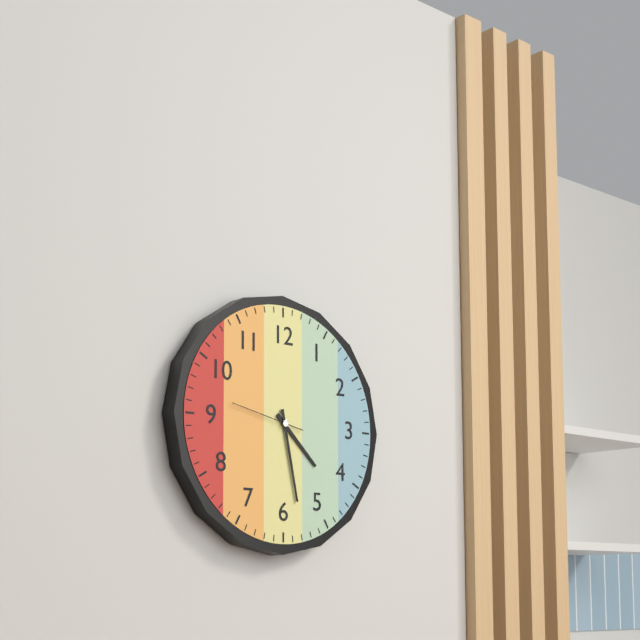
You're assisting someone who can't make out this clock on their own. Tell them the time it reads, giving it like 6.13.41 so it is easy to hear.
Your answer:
4.28.47
